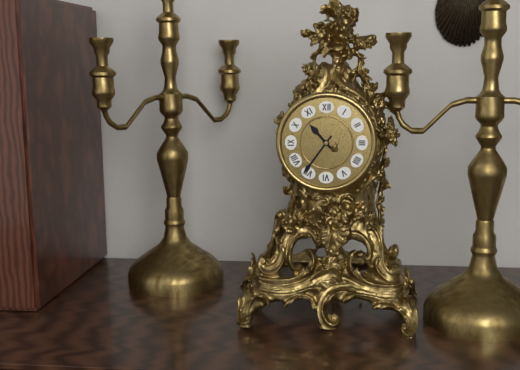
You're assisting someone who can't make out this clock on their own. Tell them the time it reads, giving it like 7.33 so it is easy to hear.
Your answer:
10.36
